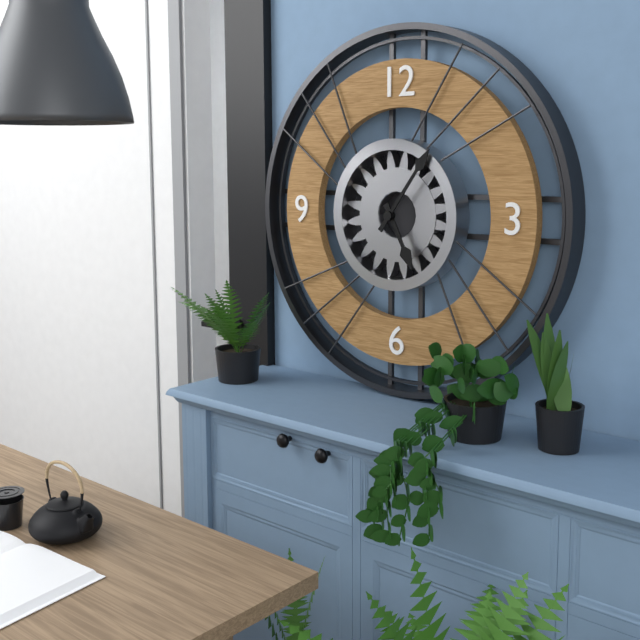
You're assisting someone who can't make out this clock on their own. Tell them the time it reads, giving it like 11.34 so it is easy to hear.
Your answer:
5.06
